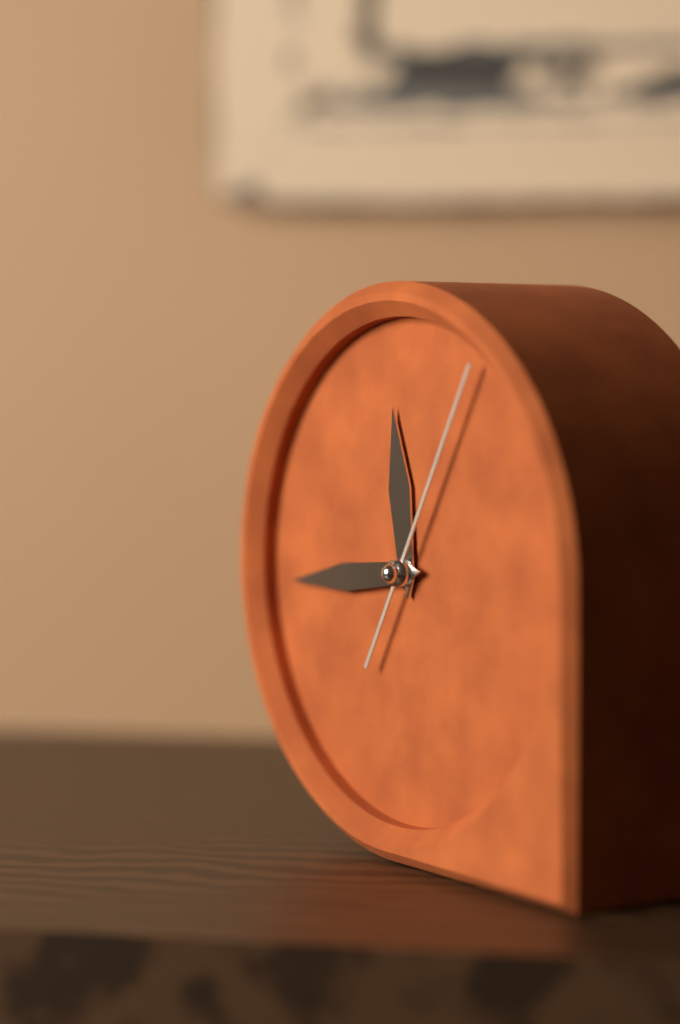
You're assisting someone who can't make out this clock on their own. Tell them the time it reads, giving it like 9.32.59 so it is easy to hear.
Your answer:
11.44.05
